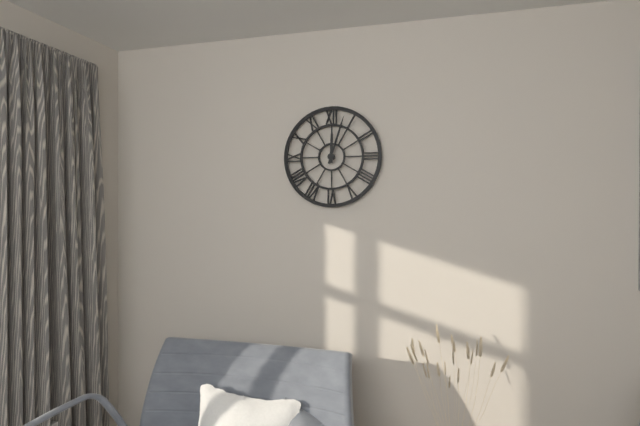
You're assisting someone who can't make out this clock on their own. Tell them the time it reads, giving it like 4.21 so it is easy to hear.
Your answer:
12.03
